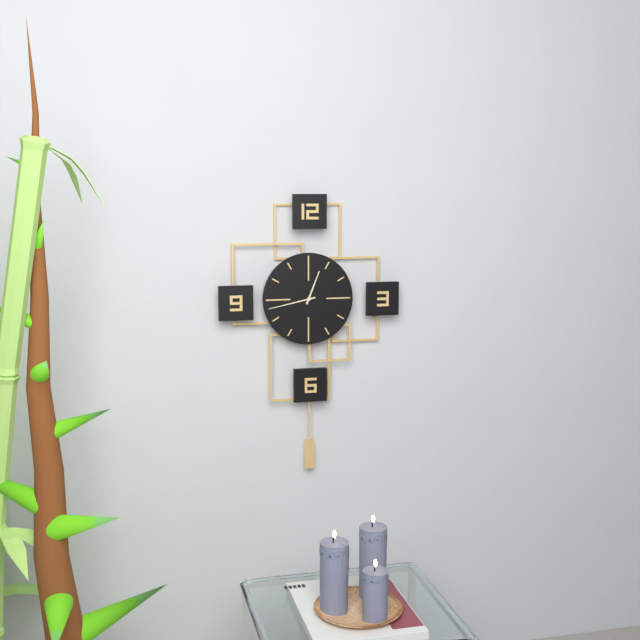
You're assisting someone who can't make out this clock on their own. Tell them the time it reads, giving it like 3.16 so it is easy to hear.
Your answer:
12.43
